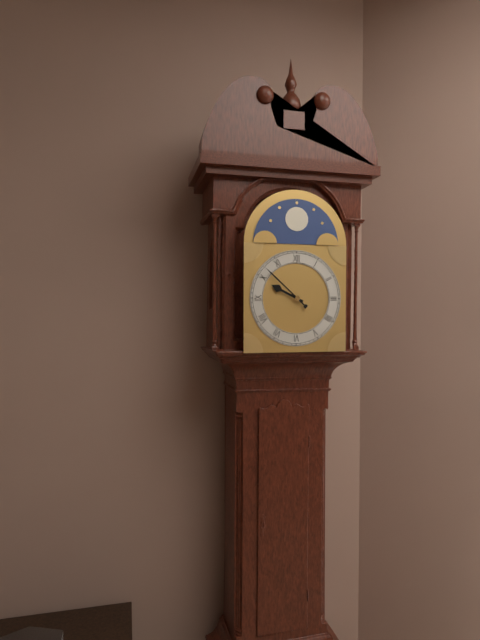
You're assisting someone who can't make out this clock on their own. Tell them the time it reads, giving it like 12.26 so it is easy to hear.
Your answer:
9.52
